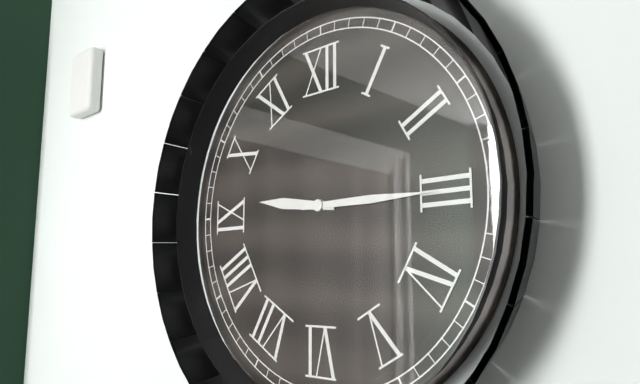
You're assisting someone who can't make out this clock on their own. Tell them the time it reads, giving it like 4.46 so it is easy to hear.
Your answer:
9.15
